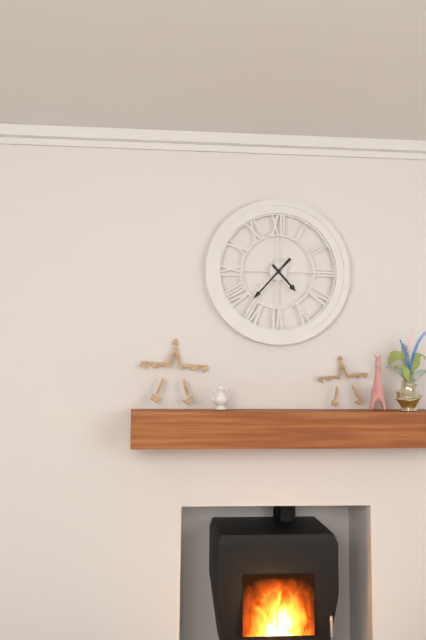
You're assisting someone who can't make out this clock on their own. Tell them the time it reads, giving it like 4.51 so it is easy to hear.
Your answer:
4.37
